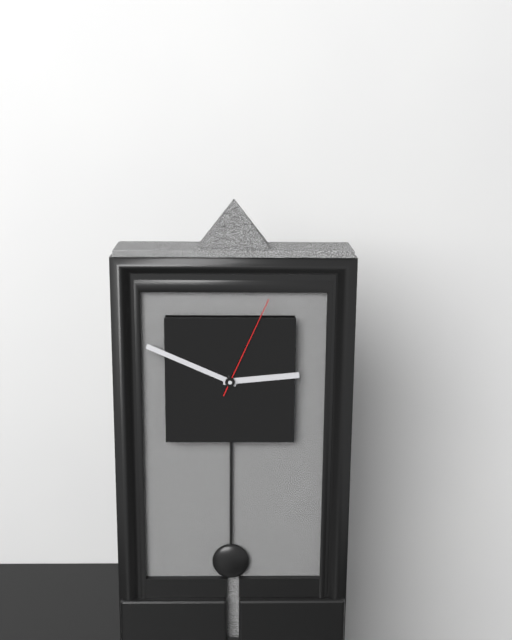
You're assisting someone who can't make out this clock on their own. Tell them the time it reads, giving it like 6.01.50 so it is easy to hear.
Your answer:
2.49.04
